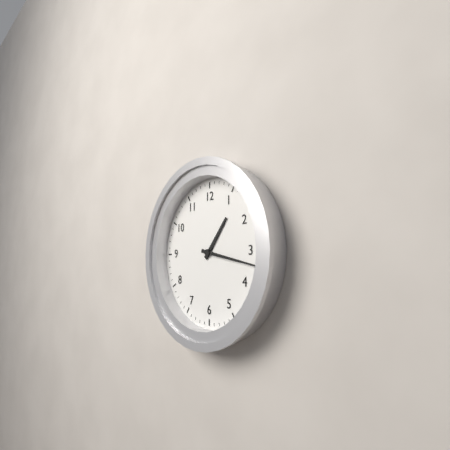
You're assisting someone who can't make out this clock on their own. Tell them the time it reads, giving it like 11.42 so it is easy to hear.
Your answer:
1.17
